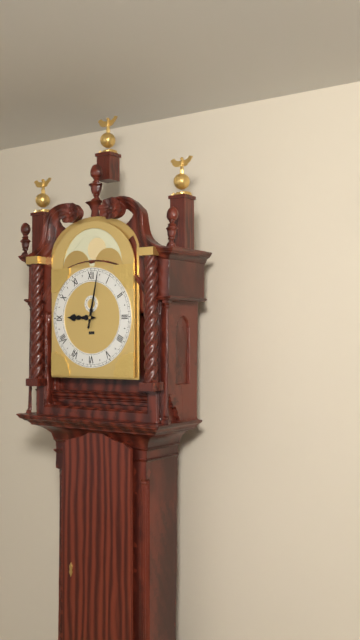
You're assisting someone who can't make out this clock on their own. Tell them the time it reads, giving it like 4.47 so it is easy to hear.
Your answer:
9.02
